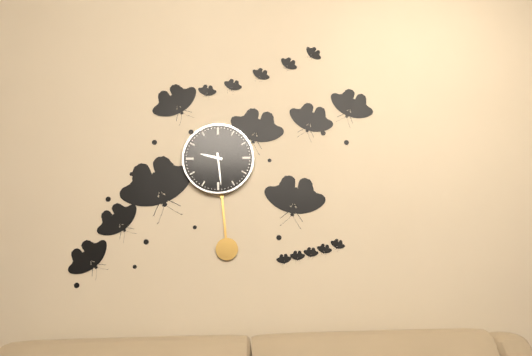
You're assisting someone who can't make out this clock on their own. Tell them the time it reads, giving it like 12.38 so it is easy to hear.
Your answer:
9.29
